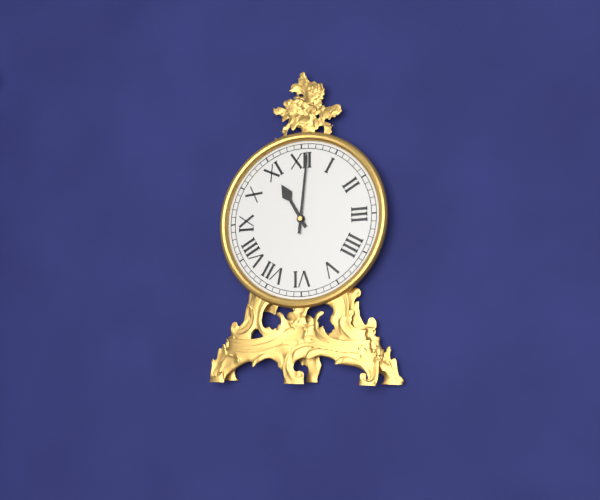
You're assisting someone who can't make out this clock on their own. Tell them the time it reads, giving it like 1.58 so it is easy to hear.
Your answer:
11.01
